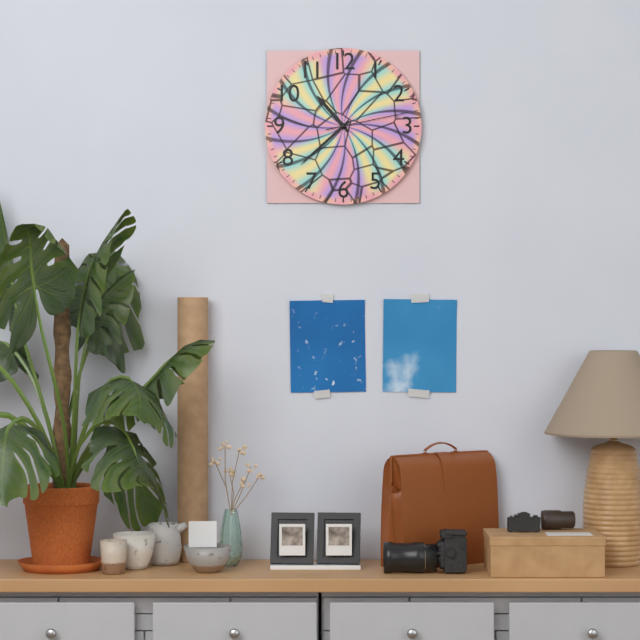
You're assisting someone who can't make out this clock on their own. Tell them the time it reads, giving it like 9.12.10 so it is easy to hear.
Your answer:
10.38.13
